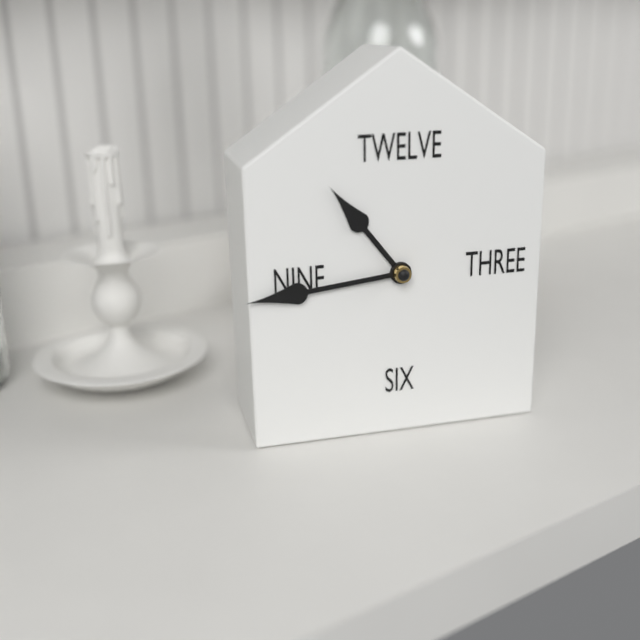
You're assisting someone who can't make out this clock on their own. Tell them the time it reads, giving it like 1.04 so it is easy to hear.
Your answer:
10.44
